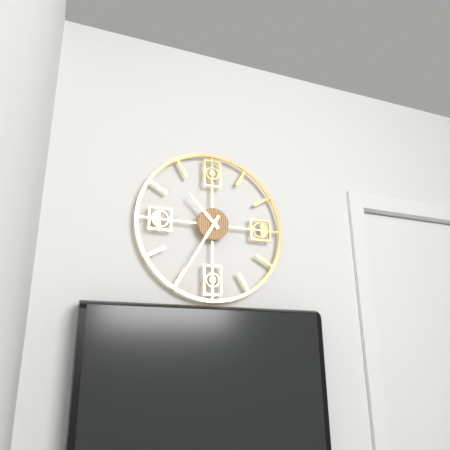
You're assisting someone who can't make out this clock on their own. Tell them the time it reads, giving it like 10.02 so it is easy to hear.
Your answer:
10.35
